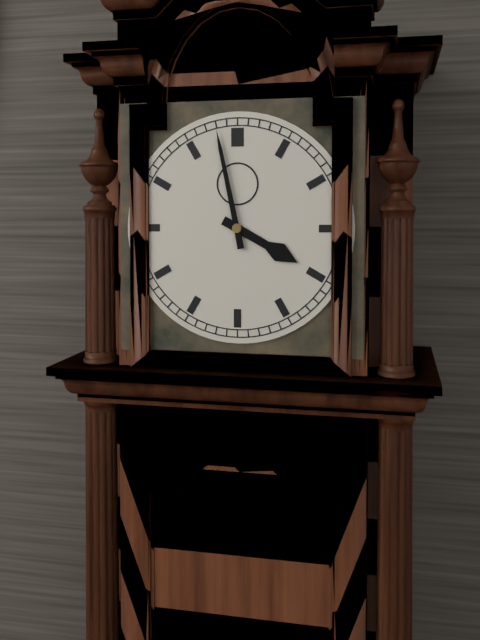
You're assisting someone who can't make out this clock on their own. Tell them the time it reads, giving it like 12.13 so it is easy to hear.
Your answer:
3.58
